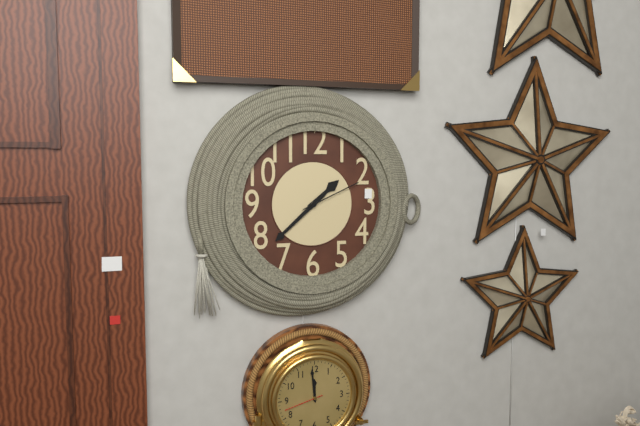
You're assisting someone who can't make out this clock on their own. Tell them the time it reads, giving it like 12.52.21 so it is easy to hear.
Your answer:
1.38.11
